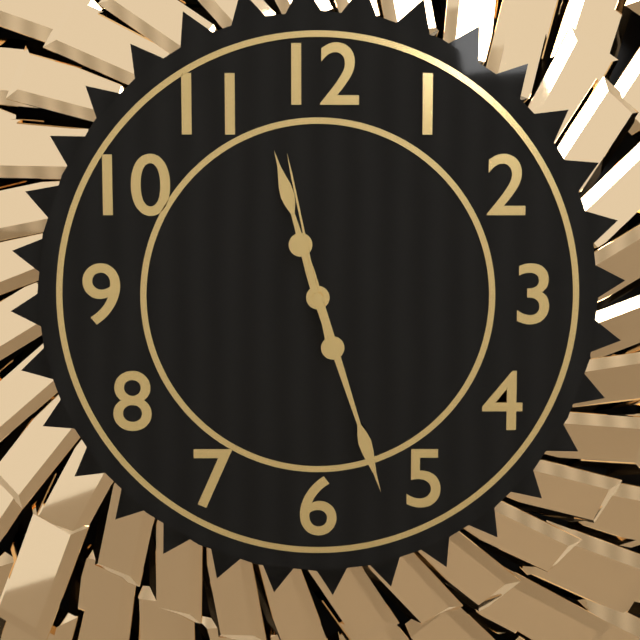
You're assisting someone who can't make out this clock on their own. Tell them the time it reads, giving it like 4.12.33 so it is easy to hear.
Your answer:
11.27.58
